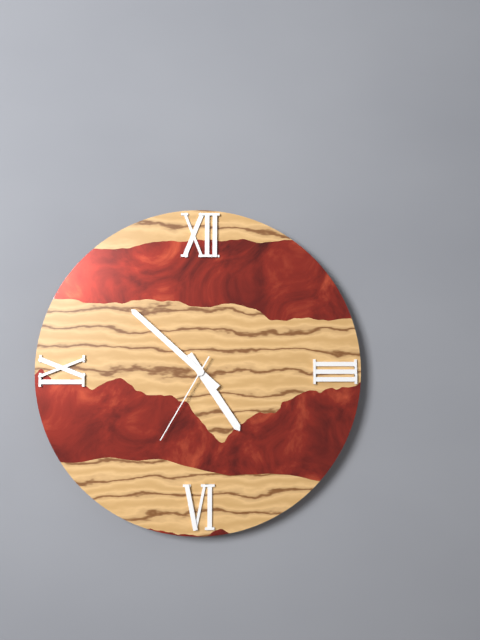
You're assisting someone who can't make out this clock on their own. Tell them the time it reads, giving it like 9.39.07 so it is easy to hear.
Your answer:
4.52.35
